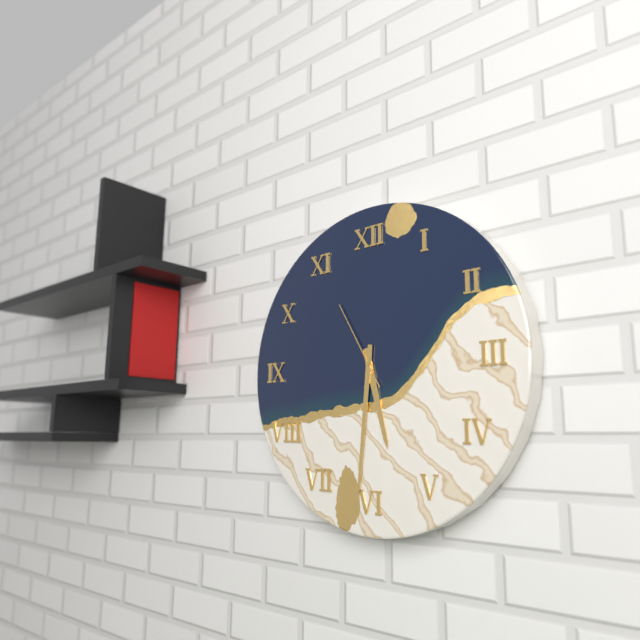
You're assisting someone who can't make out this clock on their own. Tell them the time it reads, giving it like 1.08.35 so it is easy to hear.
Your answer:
5.31.55
